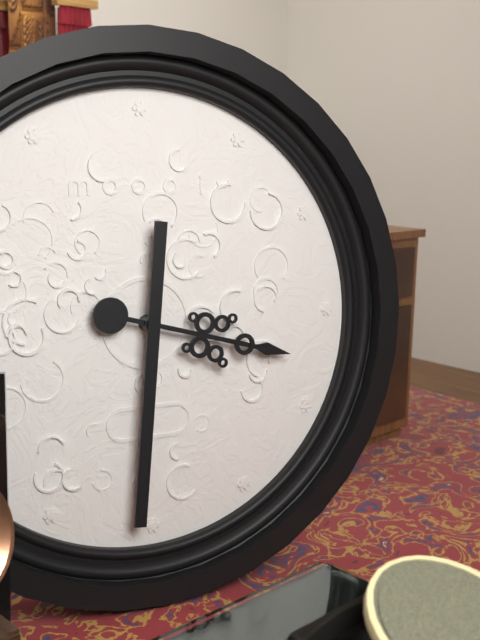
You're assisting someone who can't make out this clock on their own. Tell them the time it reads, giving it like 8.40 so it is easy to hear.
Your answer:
3.31
